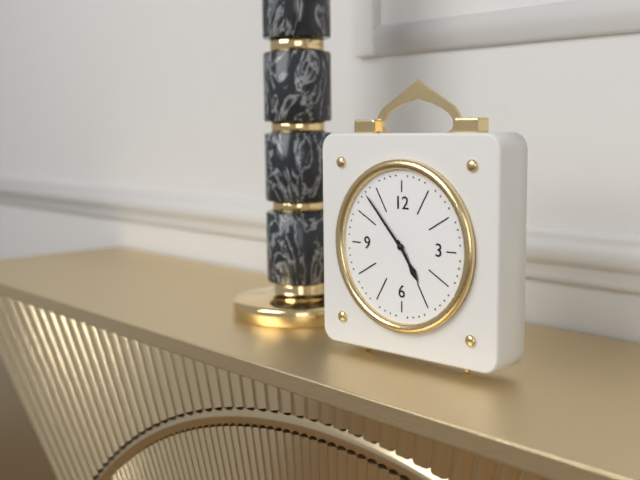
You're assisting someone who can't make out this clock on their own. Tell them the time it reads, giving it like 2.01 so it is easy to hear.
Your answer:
4.53
